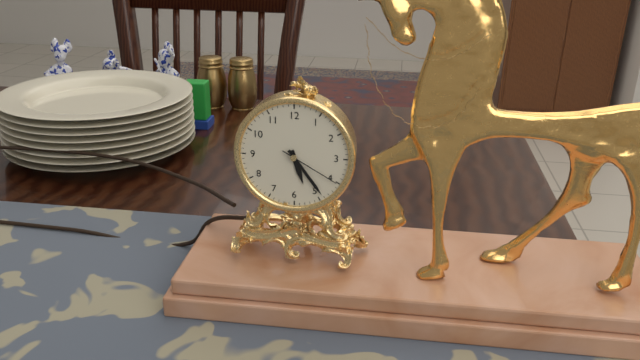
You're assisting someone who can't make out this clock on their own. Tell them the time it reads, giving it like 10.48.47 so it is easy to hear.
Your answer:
5.24.20
